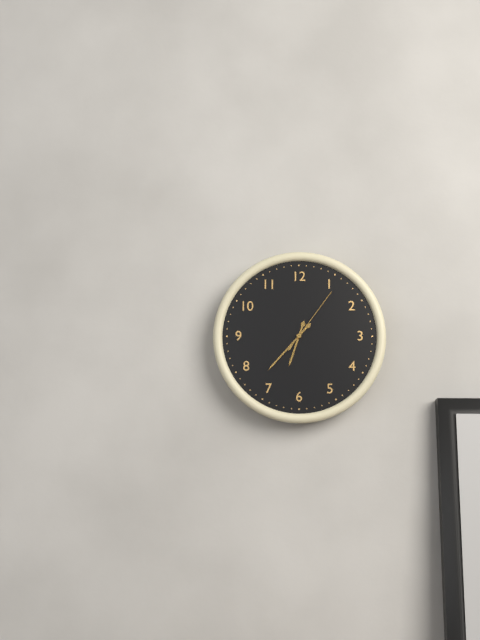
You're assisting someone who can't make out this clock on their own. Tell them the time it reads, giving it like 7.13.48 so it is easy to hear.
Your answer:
6.37.06
